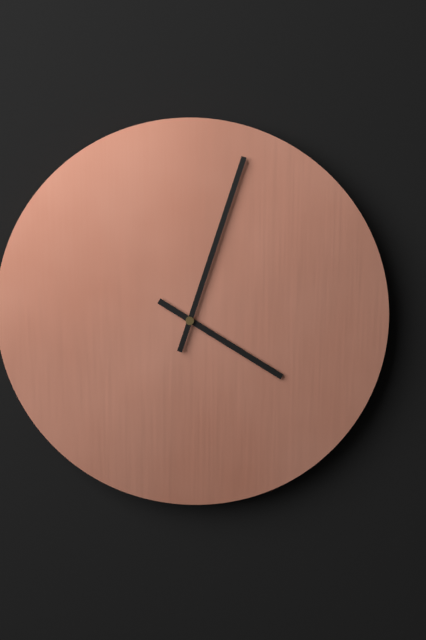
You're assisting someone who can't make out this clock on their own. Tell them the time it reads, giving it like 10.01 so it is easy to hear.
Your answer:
4.03
